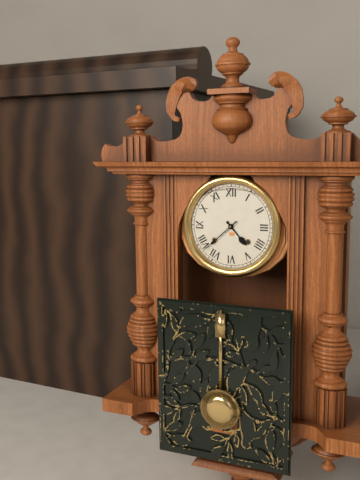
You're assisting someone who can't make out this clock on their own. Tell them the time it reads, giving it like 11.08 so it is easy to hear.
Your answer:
4.38
